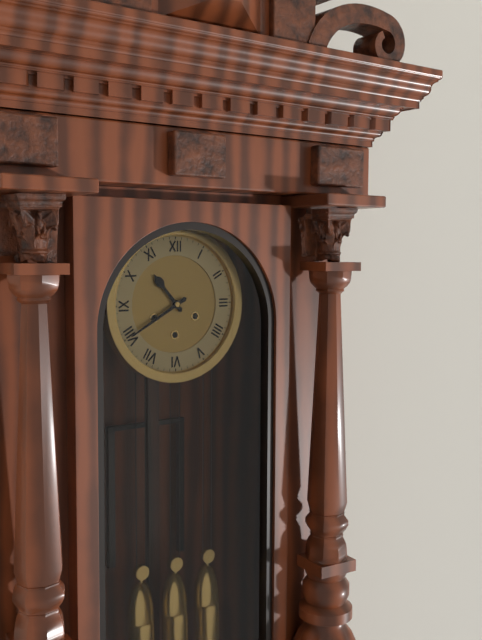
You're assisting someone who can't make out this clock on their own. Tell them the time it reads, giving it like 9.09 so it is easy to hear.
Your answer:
10.40
